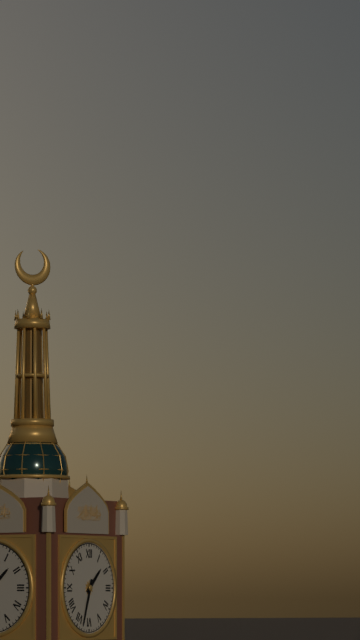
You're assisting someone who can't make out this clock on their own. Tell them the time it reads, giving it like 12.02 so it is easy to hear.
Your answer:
1.33
